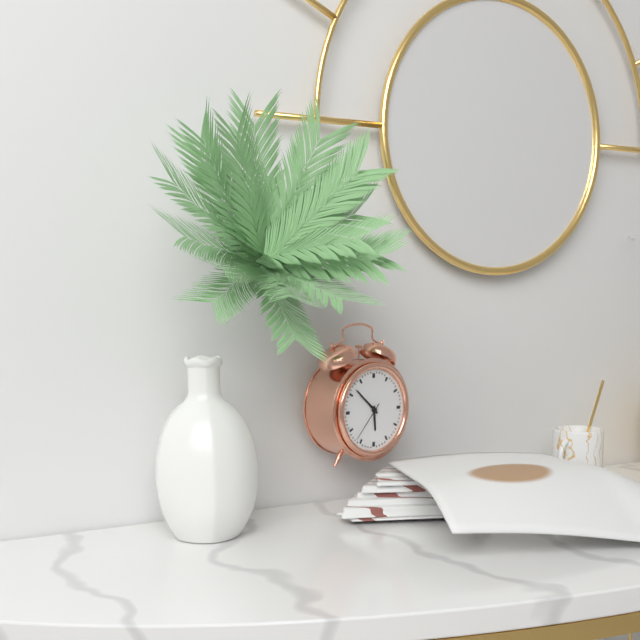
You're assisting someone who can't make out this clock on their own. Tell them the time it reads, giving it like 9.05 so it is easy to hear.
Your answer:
5.52
